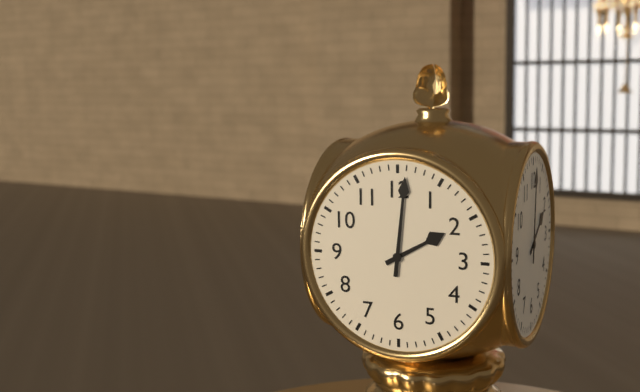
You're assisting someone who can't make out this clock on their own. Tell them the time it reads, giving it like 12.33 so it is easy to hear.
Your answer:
2.01
